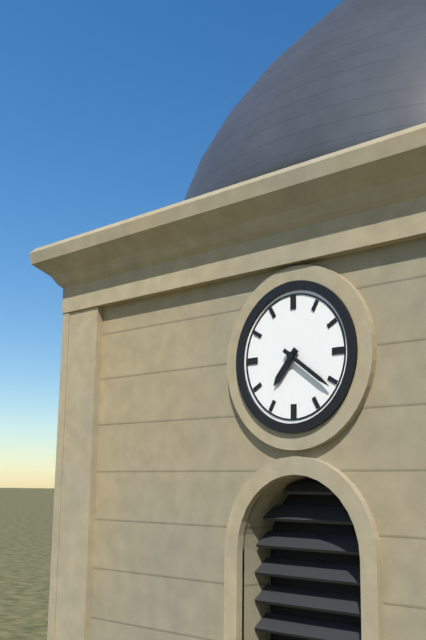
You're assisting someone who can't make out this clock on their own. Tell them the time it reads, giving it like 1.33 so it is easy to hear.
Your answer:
7.21
